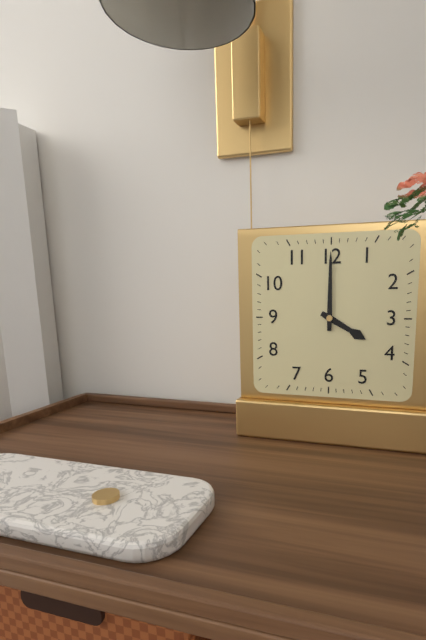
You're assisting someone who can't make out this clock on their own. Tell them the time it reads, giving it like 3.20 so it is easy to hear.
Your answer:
4.00
